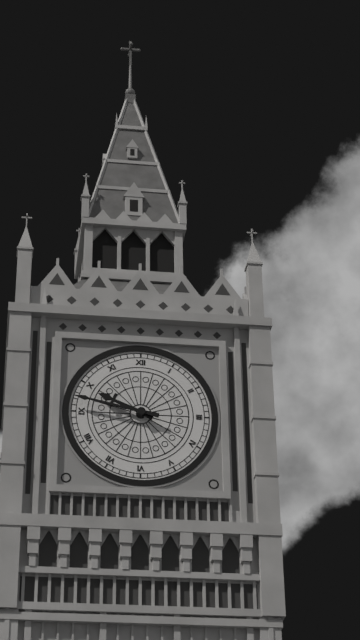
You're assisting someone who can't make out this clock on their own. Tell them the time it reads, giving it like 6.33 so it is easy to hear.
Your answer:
9.47
